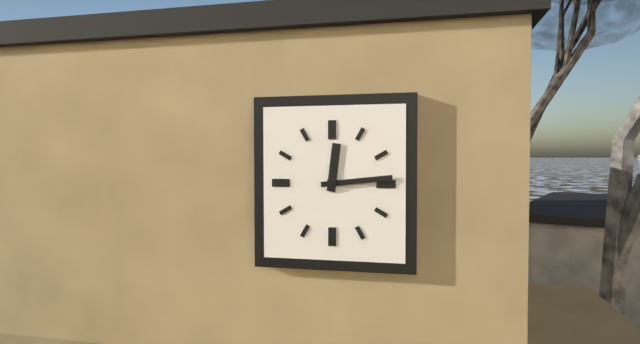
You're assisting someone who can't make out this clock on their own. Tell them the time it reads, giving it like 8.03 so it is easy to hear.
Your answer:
12.14
